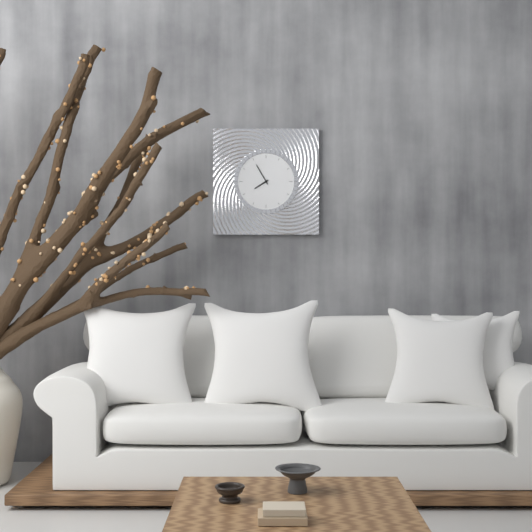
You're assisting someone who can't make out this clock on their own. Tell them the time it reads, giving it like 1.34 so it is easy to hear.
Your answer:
7.55
